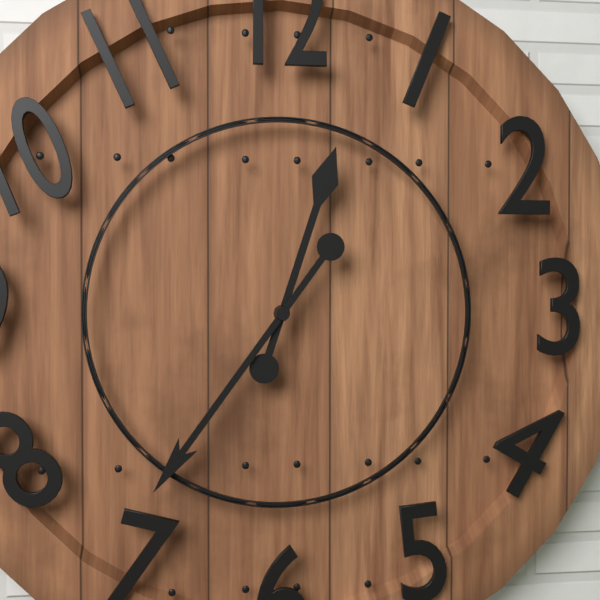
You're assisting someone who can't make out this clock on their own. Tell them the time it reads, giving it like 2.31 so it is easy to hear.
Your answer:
12.36
